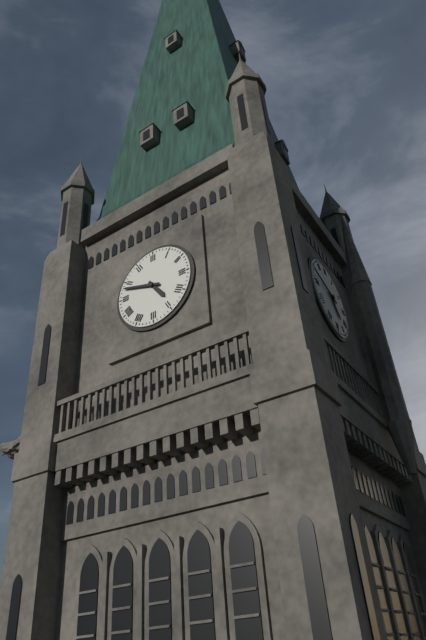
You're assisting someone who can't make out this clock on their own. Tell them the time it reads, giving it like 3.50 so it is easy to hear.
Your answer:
4.48
